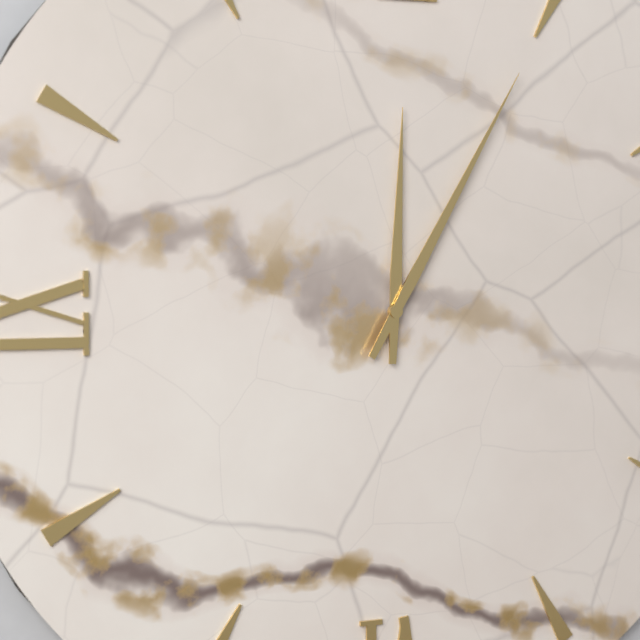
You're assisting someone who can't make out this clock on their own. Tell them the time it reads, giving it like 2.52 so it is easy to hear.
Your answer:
12.05
